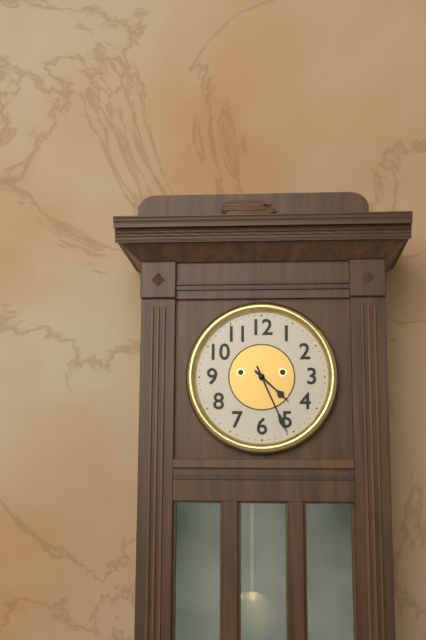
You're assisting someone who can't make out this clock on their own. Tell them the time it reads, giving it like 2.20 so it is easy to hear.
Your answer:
4.26
